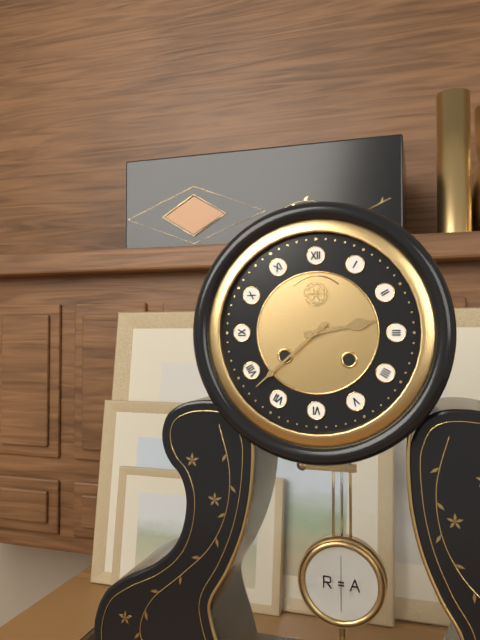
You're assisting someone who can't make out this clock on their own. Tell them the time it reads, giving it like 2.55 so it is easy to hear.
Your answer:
2.38
